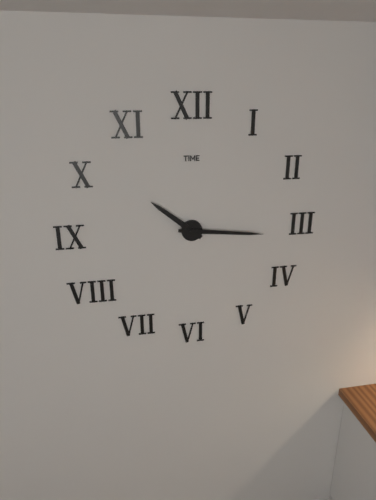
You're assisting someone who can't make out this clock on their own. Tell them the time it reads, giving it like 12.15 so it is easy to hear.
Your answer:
10.16
